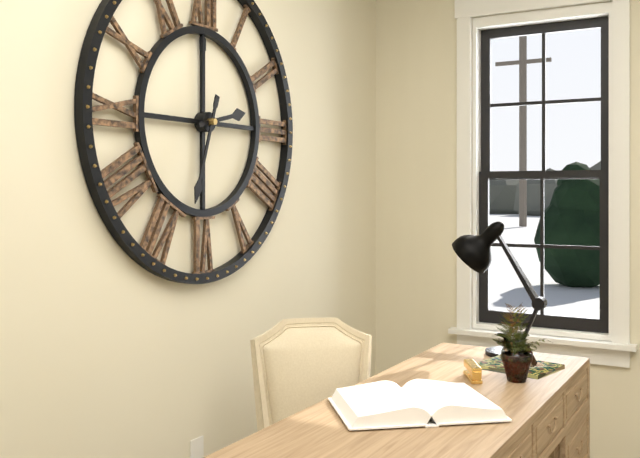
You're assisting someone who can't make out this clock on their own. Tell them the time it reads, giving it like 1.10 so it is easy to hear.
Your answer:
2.33
